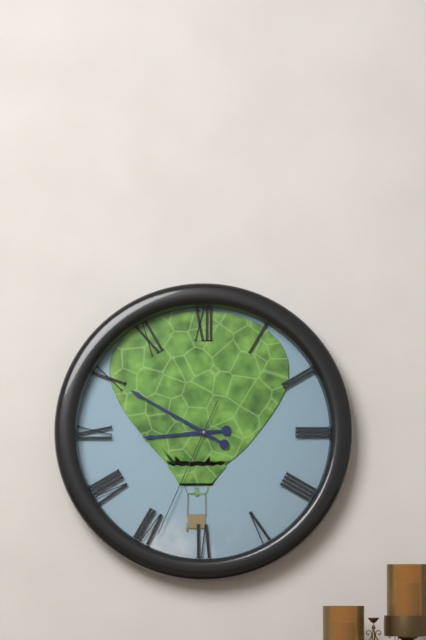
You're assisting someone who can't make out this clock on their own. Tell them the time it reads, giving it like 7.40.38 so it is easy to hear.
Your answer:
8.50.34
